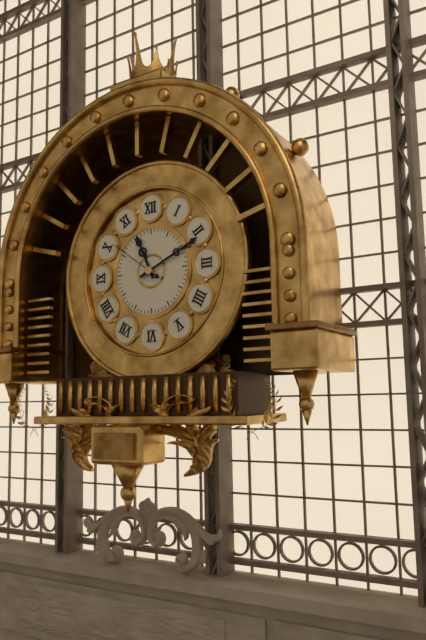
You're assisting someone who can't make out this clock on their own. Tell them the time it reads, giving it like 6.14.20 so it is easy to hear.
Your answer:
11.11.51
